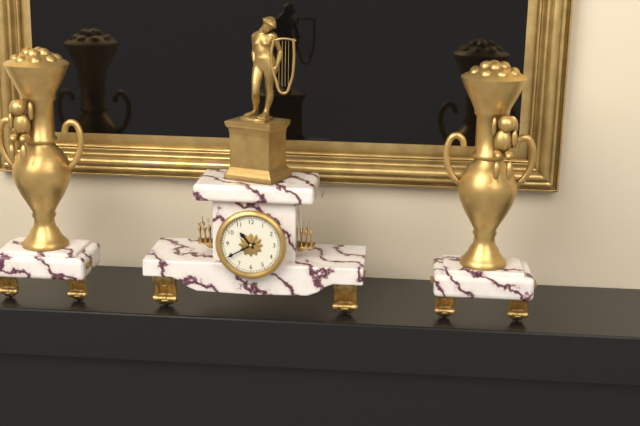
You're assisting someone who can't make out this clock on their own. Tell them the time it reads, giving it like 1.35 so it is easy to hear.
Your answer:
10.40
